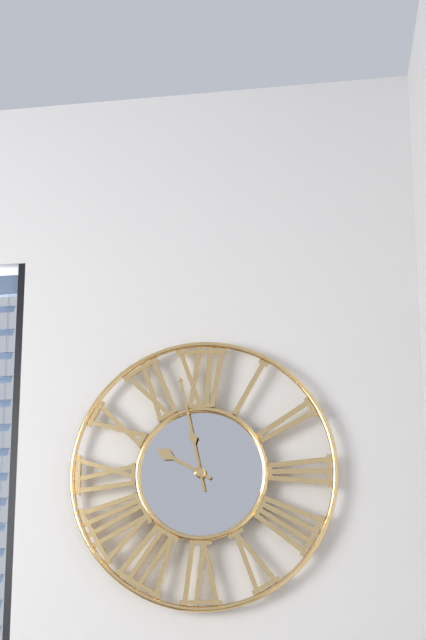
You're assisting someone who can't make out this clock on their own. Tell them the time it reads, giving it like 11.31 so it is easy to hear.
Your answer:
9.58
